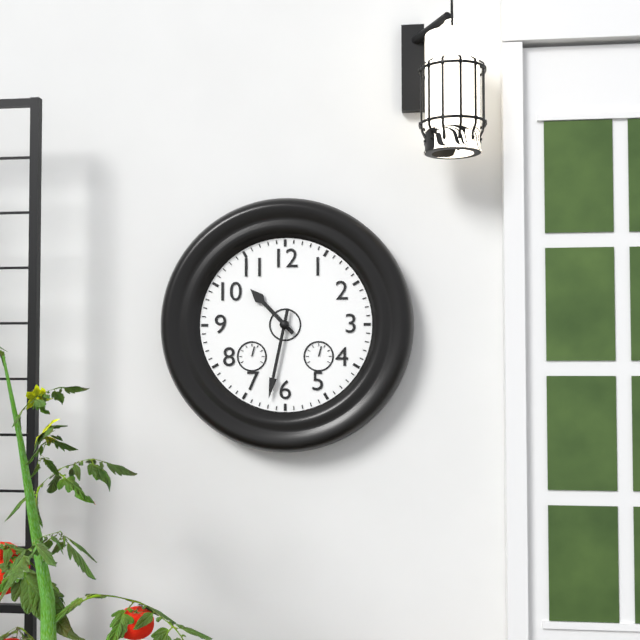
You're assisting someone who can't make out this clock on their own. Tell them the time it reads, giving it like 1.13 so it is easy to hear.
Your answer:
10.32
